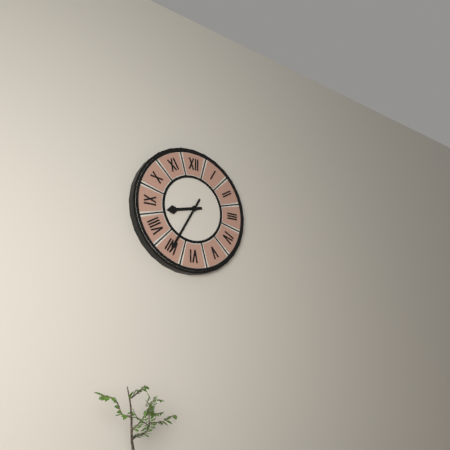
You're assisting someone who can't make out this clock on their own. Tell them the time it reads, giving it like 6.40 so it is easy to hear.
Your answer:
8.35
